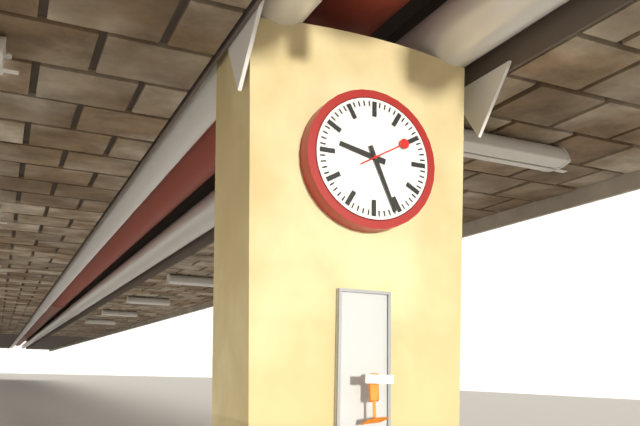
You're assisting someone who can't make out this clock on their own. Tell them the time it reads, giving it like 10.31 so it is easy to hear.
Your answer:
9.26
